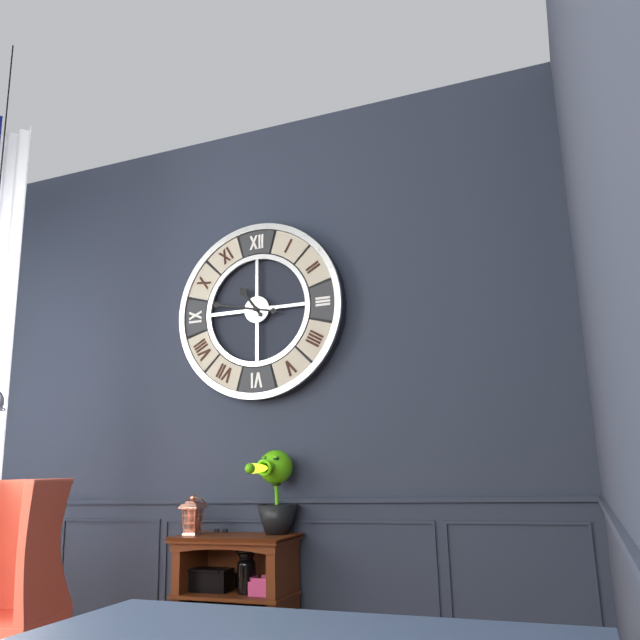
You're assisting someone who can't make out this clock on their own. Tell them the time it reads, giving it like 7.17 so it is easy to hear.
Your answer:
10.47
